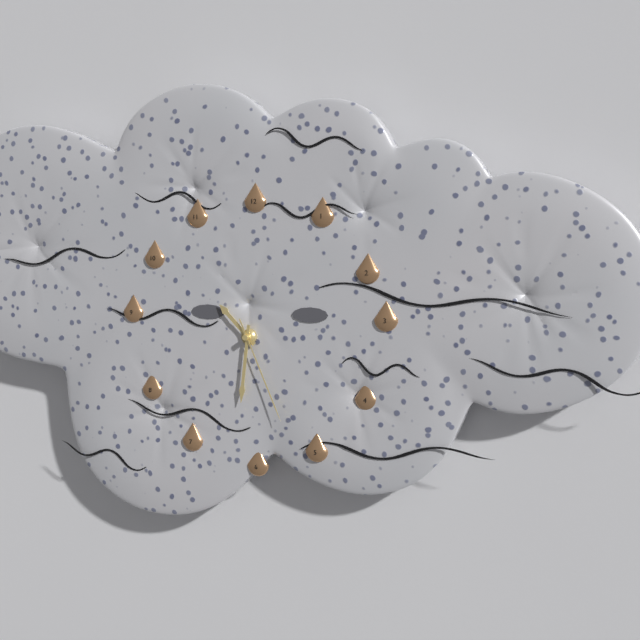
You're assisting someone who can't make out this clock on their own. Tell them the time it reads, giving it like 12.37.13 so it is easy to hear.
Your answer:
10.31.26
